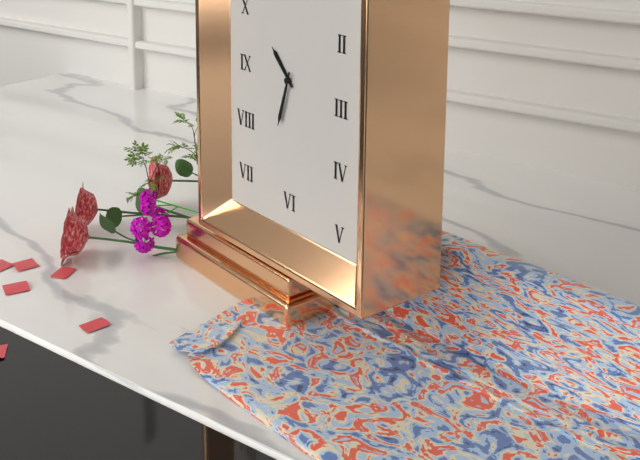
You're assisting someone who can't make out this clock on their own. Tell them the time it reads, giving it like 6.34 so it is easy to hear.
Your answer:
10.33
